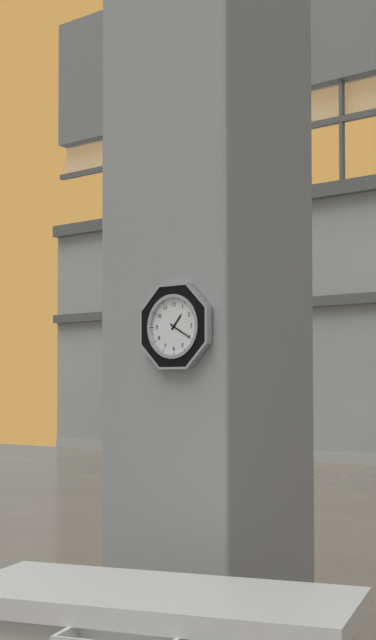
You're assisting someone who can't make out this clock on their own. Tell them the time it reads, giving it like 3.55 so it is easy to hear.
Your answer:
1.20
